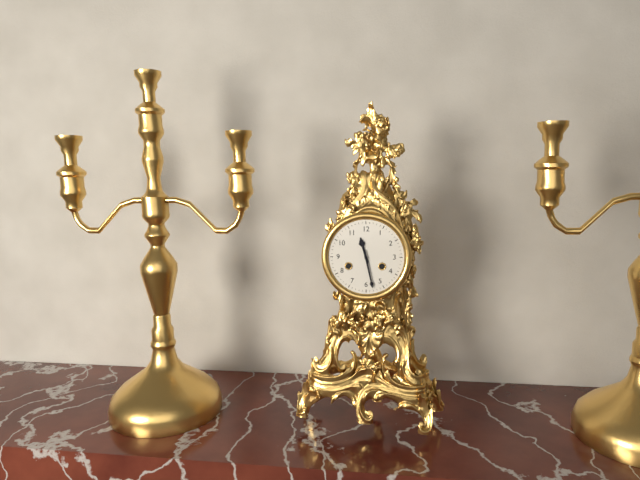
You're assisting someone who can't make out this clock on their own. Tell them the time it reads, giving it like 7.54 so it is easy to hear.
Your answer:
11.28
